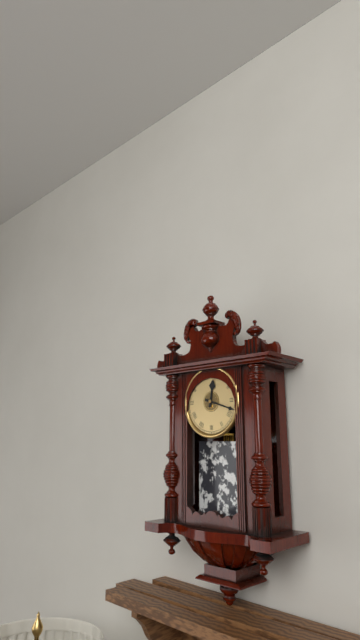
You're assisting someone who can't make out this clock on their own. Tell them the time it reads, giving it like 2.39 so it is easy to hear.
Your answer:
12.18
